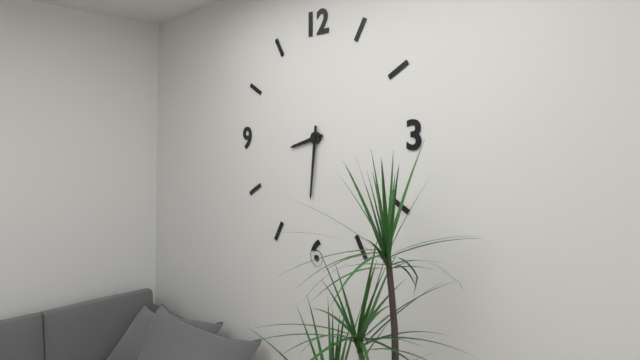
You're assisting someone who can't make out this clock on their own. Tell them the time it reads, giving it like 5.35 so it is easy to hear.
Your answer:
8.31
